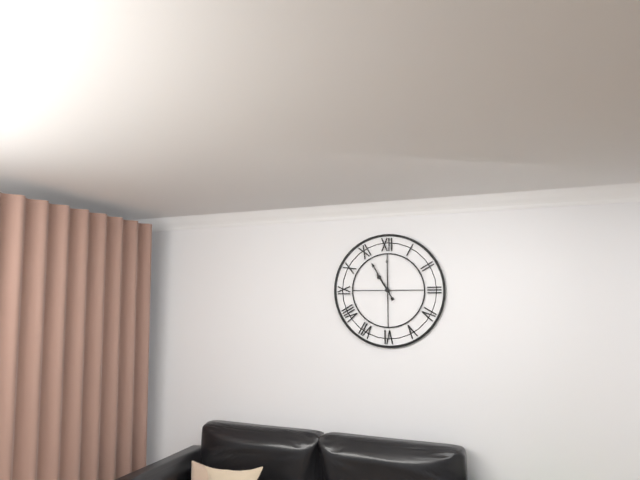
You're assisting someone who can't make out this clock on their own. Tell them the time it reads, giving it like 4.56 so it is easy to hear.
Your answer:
10.55
